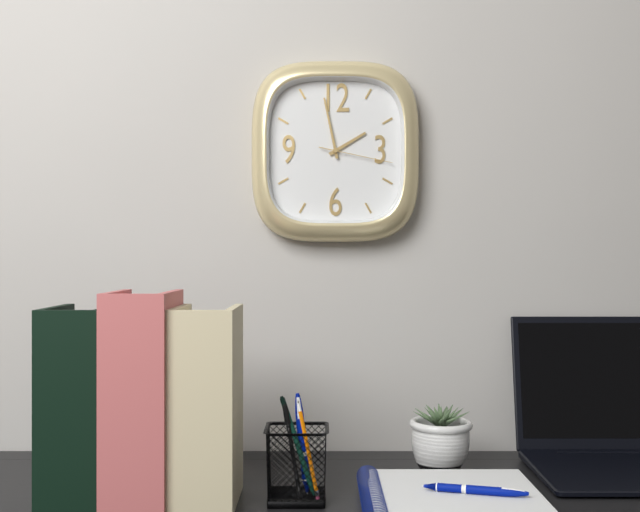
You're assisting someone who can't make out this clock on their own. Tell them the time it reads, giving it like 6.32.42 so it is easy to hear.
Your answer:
1.58.17
